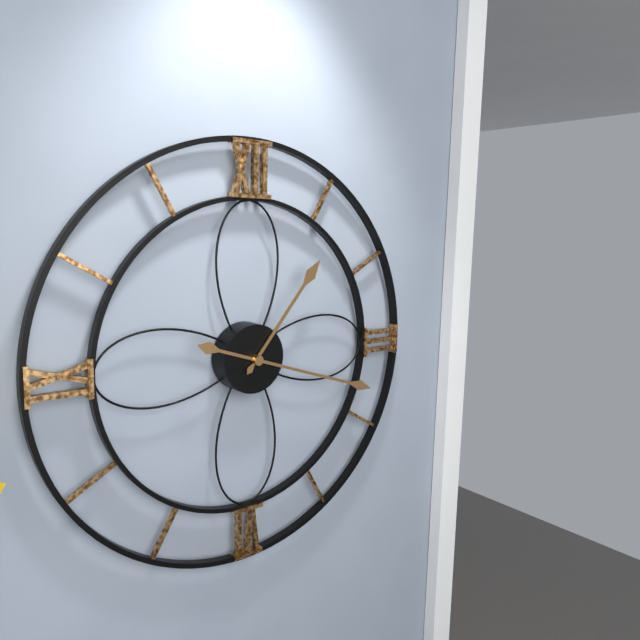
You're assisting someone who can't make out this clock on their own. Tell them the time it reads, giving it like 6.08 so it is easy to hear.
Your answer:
1.18
